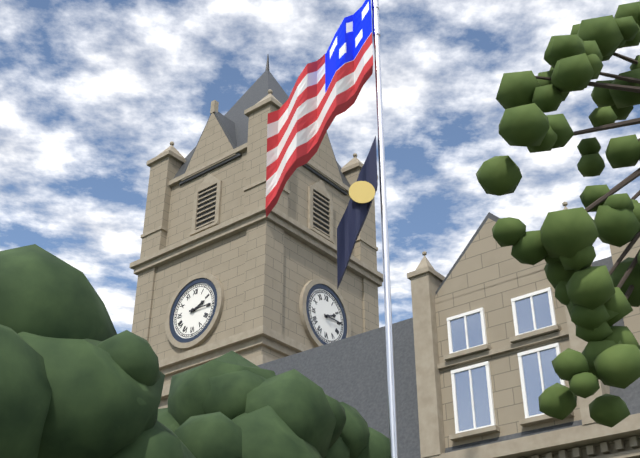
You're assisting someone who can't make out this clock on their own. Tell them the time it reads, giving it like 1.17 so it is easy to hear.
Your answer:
2.15
